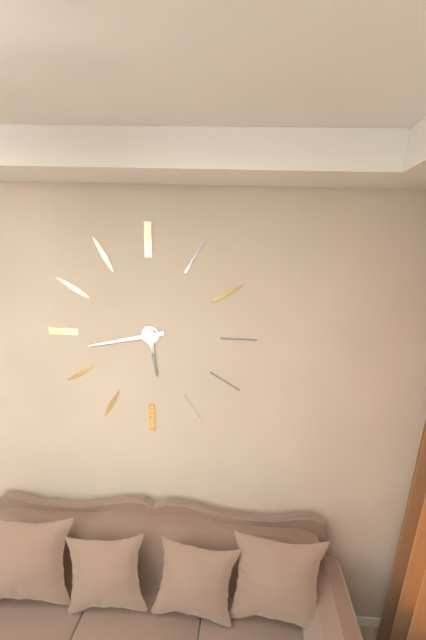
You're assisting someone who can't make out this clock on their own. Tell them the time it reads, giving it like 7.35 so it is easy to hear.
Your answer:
5.43
